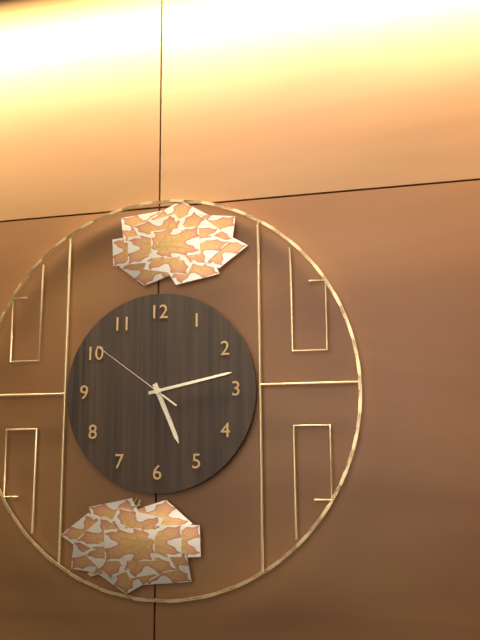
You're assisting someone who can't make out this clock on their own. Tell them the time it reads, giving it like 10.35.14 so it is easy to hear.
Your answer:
5.13.51
